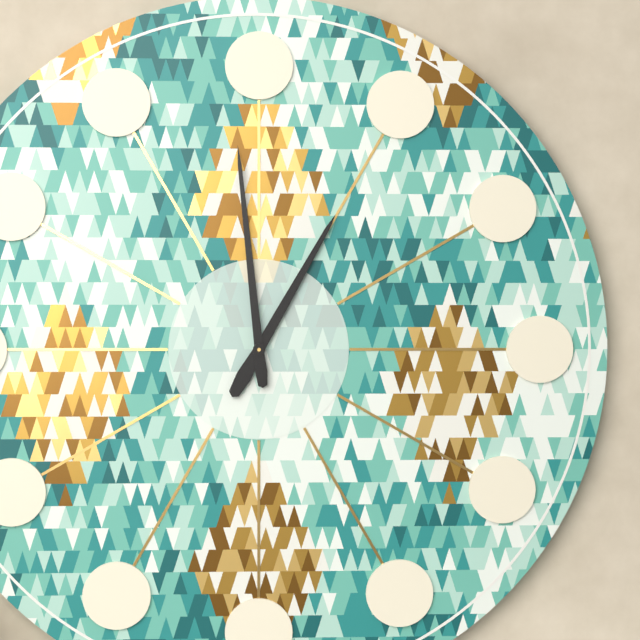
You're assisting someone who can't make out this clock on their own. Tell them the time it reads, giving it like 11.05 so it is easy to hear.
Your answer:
12.59
